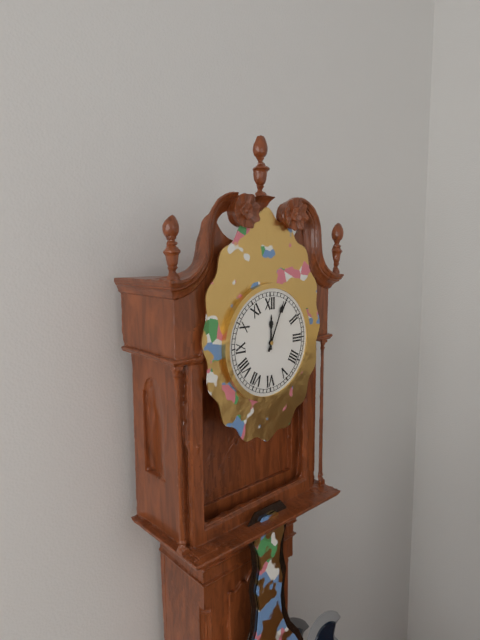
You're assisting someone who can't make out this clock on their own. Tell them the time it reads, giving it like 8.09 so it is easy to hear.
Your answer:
12.04
